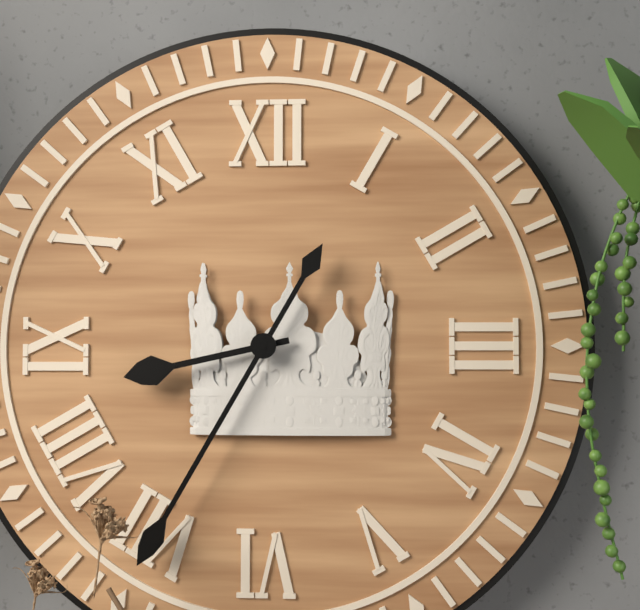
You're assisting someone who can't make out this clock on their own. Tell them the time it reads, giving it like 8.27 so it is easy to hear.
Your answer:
8.35
